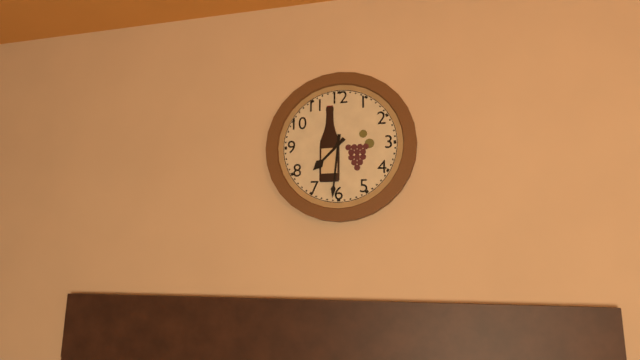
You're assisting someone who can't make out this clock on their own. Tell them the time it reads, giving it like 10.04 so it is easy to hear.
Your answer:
7.31
